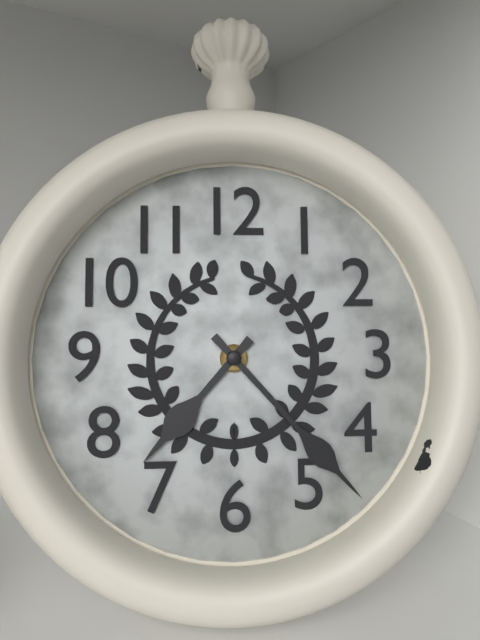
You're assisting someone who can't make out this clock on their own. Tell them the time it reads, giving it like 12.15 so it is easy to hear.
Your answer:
7.23
